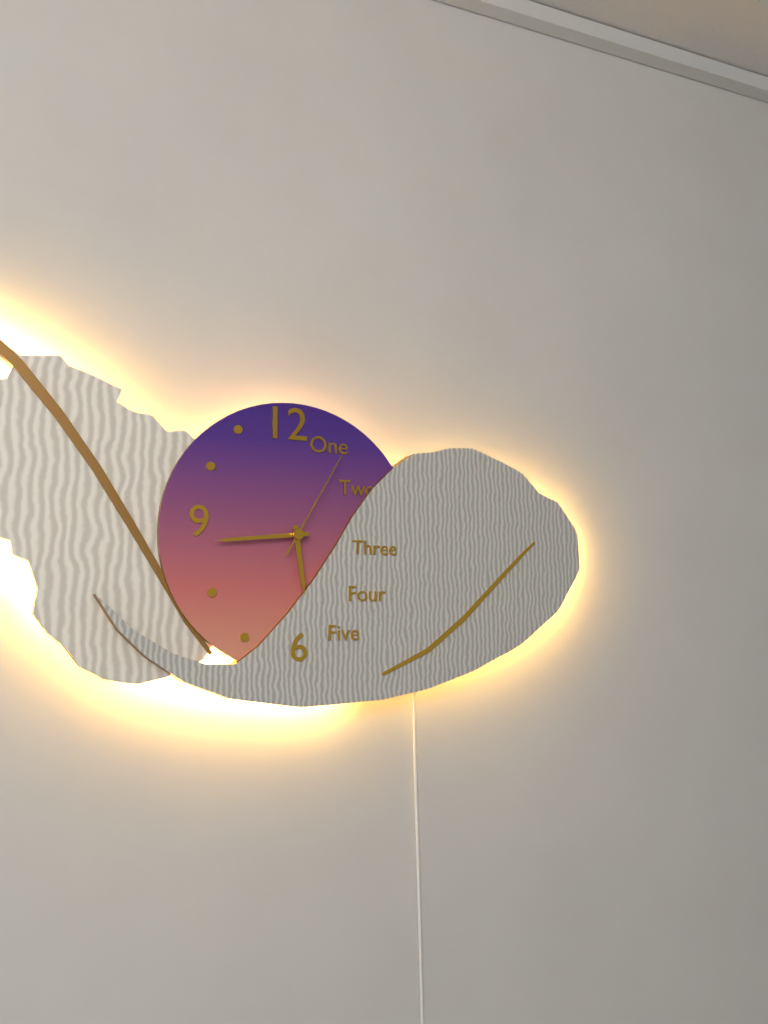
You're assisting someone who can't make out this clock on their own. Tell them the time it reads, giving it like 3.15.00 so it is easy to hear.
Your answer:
5.44.05
